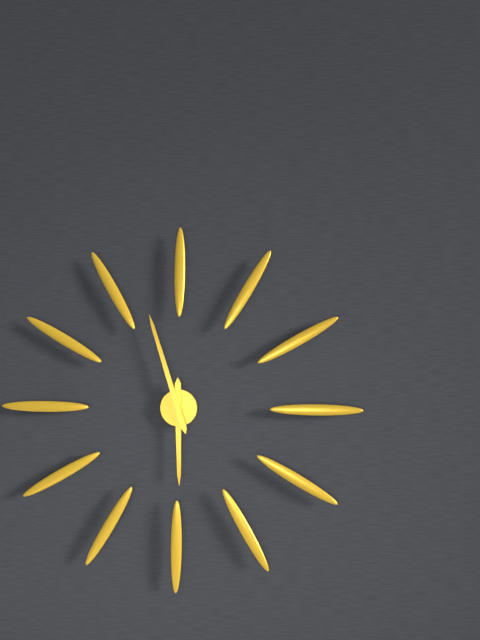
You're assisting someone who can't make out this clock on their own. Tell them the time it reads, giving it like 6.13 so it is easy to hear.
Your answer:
5.57
